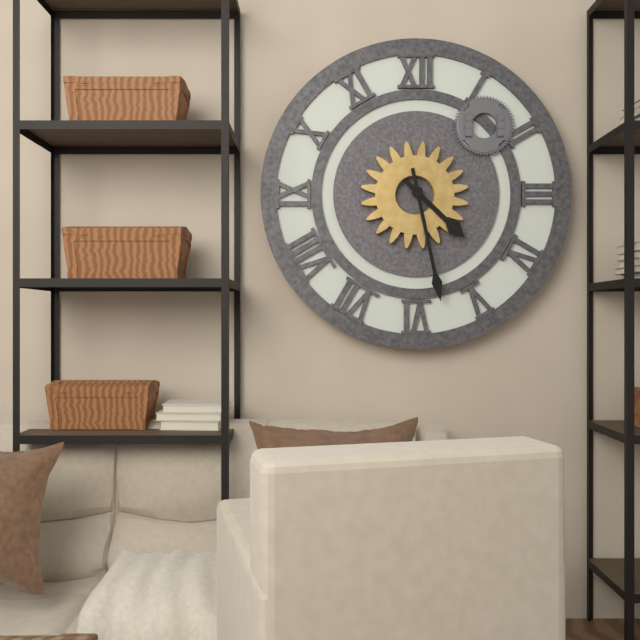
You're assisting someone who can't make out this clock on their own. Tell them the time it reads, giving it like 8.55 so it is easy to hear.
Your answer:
4.28
